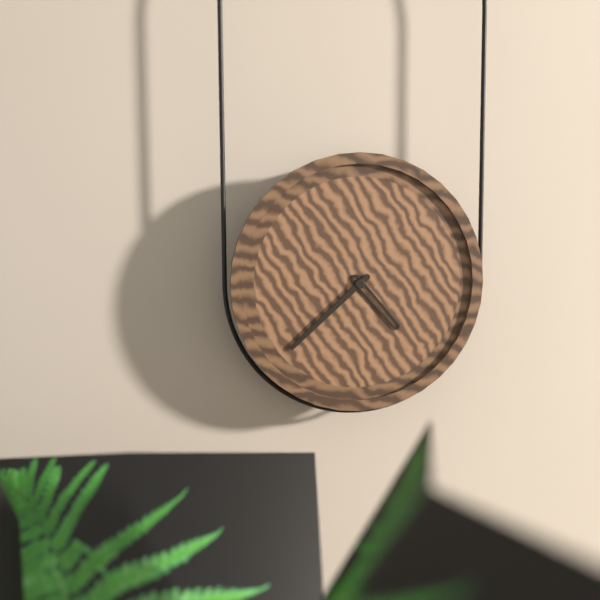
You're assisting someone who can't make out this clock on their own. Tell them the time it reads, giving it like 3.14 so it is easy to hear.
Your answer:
4.38
